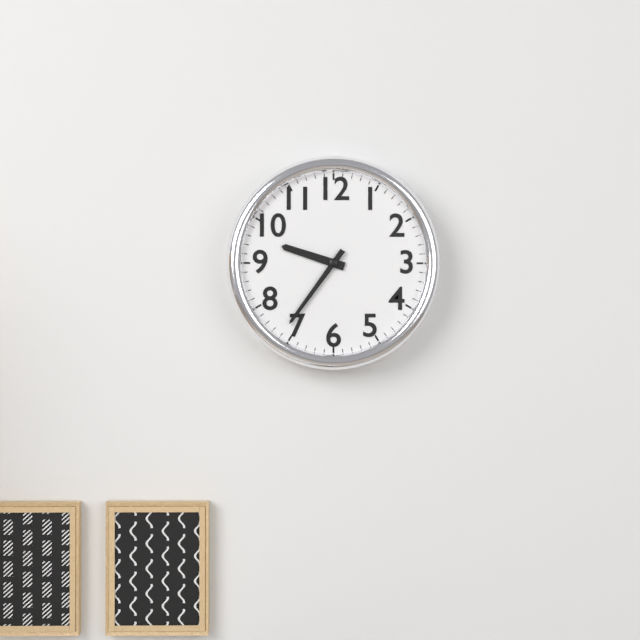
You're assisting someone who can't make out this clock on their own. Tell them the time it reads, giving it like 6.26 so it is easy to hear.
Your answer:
9.36
